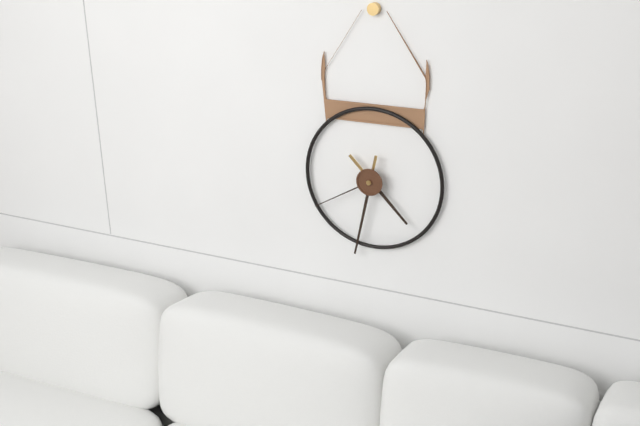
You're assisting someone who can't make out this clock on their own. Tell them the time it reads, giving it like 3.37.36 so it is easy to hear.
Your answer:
4.32.40
